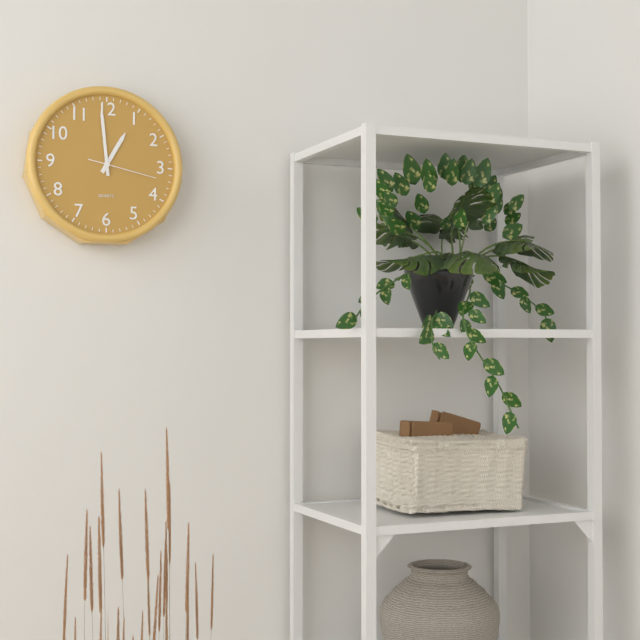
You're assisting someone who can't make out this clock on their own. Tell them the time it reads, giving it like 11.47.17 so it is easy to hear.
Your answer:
12.59.17
